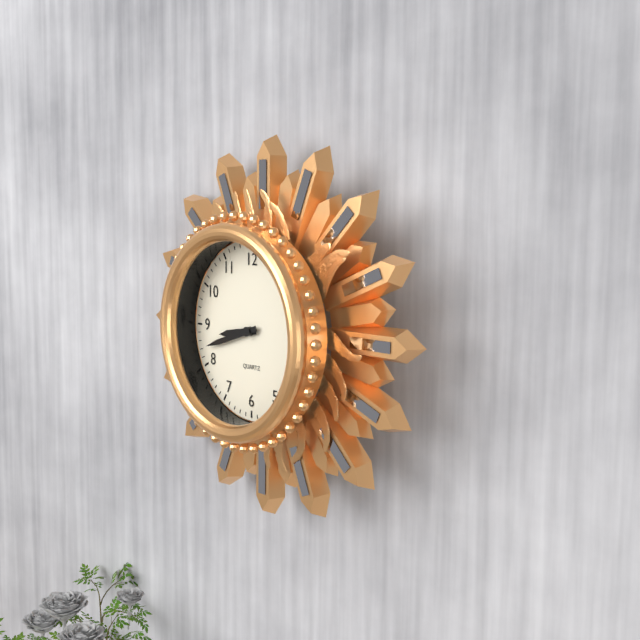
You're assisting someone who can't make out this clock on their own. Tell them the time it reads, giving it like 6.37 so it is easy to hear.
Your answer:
8.42
